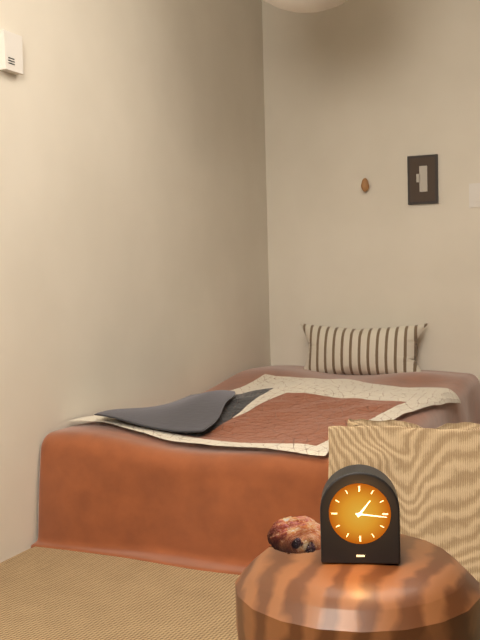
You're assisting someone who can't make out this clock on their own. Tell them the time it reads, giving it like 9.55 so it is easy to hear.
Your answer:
1.16
